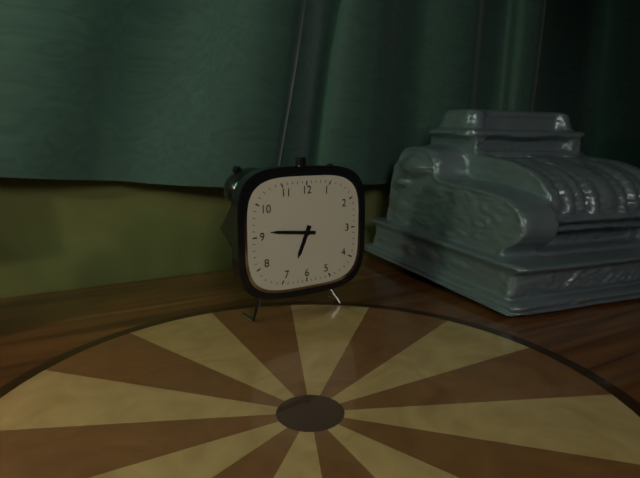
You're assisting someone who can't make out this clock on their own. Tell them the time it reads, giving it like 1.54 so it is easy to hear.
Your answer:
6.46
